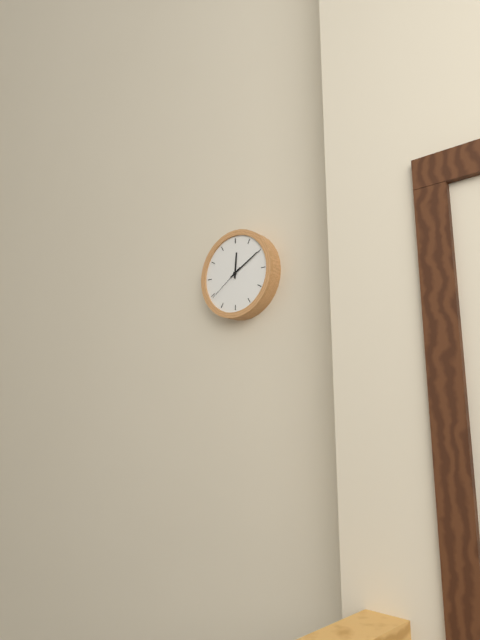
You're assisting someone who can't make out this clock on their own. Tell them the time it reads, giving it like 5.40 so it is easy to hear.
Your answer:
12.10
